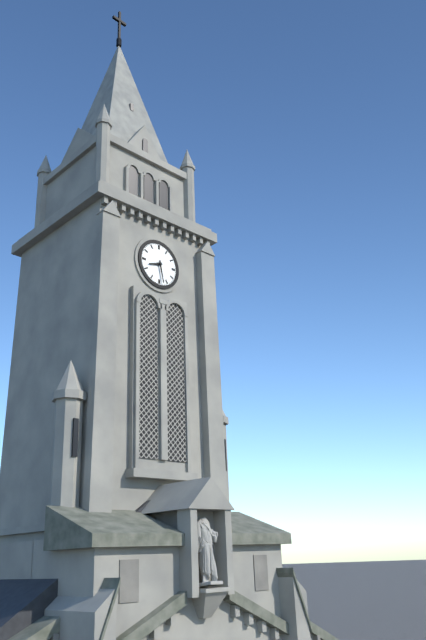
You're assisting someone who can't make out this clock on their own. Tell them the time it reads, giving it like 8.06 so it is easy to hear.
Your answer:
8.28
